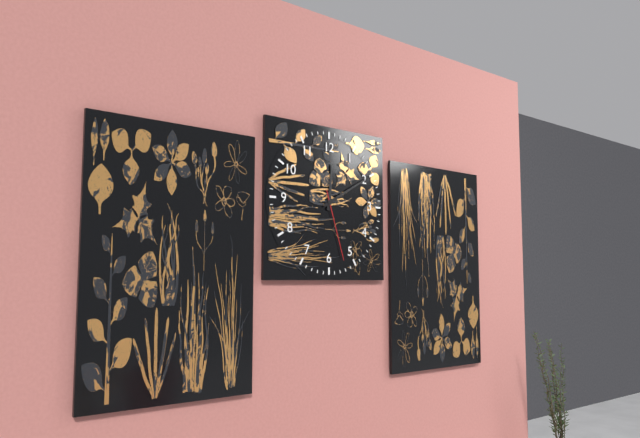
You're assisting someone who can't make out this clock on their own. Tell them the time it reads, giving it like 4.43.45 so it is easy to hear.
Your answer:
12.10.27
